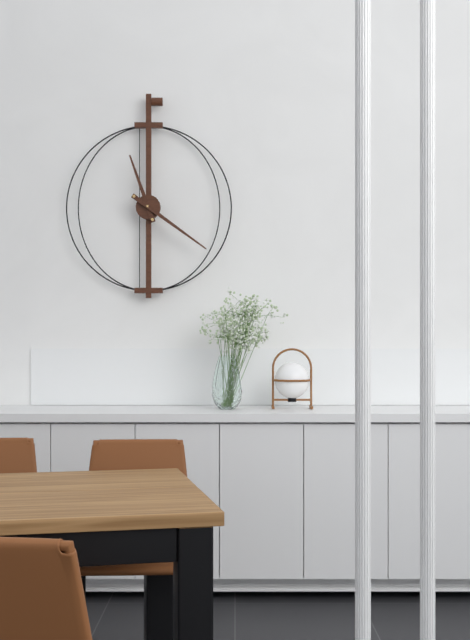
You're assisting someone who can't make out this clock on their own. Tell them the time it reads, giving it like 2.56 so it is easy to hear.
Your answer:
11.21
